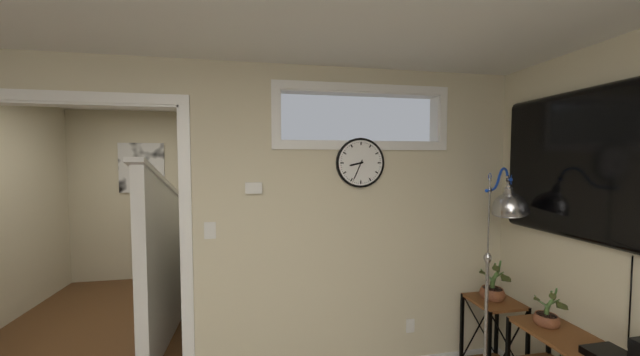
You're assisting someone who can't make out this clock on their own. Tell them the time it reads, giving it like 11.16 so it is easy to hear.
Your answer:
8.34
